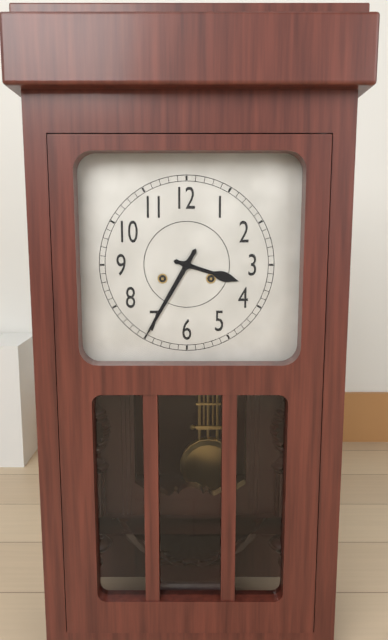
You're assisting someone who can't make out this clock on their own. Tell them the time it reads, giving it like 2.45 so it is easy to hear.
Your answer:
3.35
